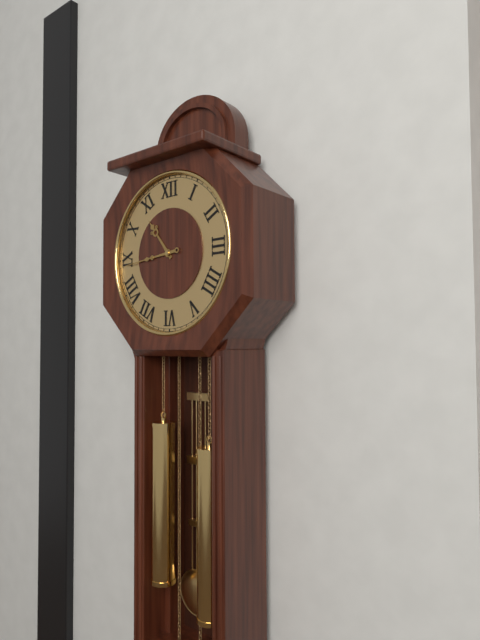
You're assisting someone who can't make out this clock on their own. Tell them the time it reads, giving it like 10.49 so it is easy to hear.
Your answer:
10.44
